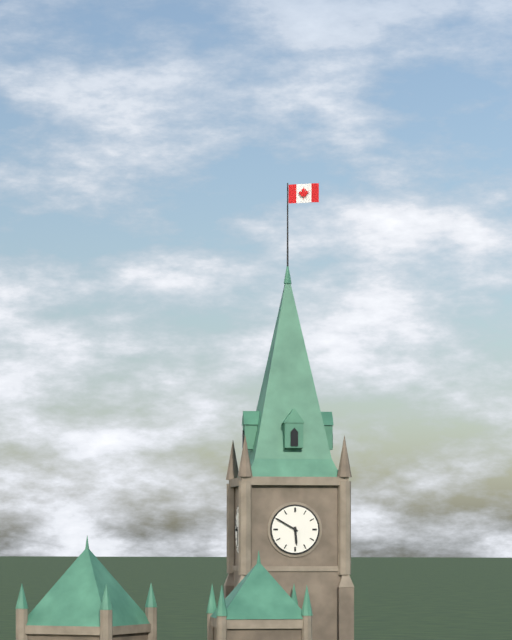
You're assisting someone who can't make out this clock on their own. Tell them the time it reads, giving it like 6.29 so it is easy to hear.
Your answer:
5.50
